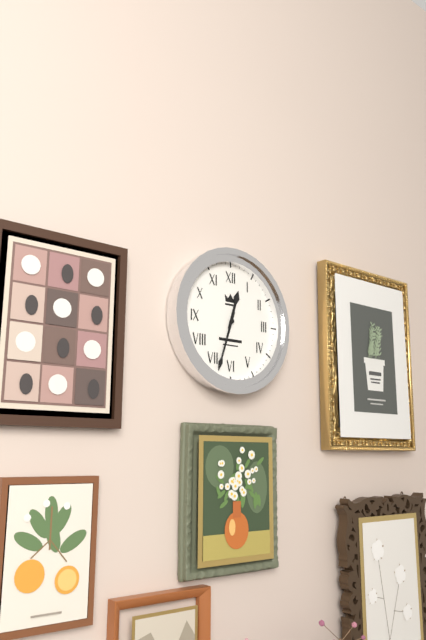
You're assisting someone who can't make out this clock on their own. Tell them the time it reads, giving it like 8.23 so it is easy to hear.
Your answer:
12.33
